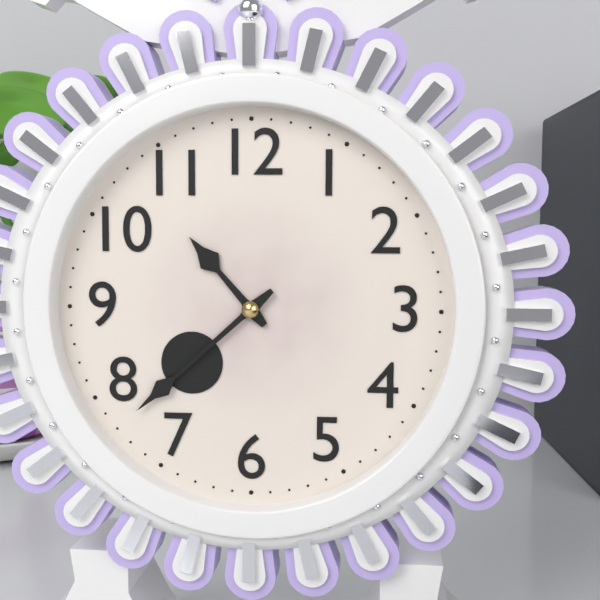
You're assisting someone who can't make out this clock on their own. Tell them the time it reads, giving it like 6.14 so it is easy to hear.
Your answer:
10.38
